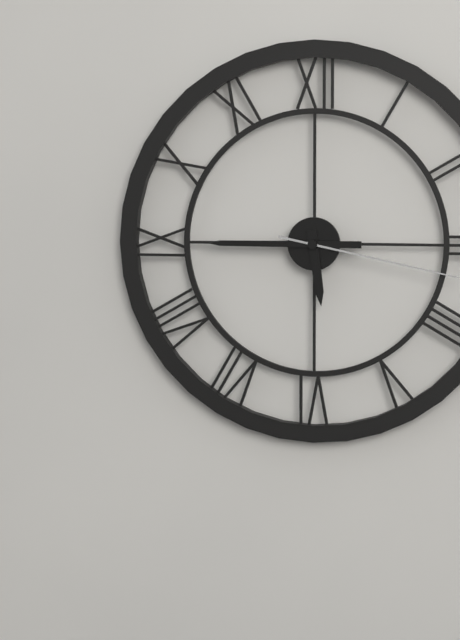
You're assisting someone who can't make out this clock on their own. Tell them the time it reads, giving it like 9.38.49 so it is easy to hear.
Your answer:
5.45.17
